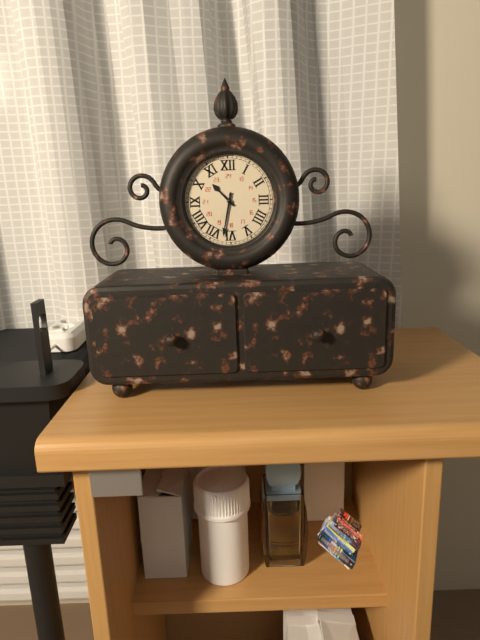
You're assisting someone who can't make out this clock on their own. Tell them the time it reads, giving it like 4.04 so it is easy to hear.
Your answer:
10.32
